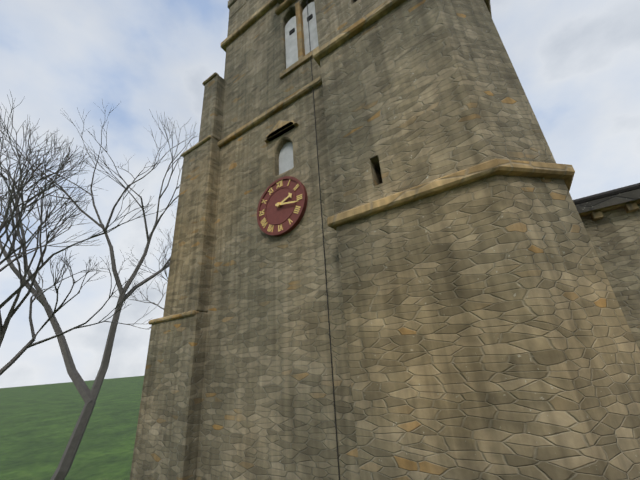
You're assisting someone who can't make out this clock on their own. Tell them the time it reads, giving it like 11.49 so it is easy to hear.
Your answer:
2.17
